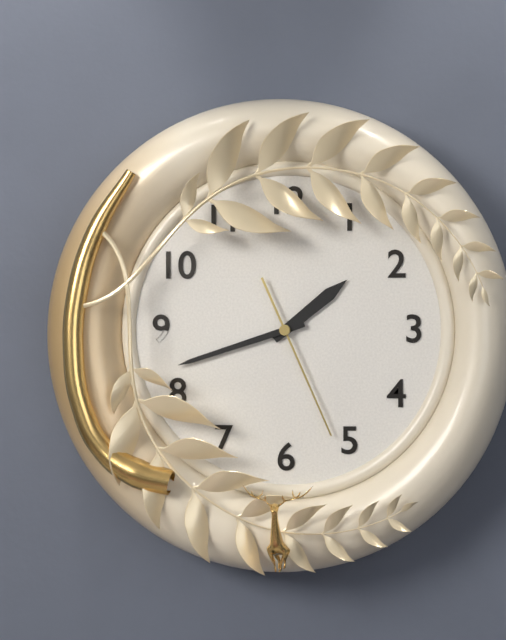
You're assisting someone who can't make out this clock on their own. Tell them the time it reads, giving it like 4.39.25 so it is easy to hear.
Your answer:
1.42.26
